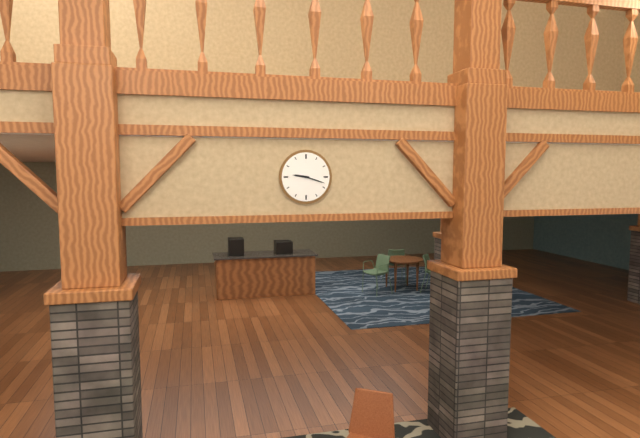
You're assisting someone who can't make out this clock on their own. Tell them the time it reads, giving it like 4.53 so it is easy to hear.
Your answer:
9.18
